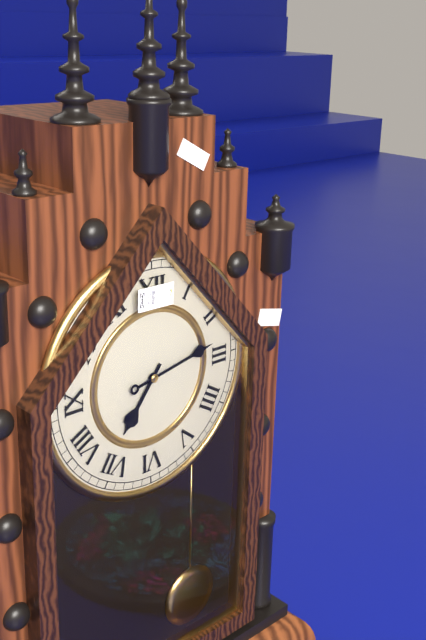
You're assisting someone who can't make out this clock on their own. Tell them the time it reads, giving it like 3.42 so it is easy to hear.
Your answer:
7.13
